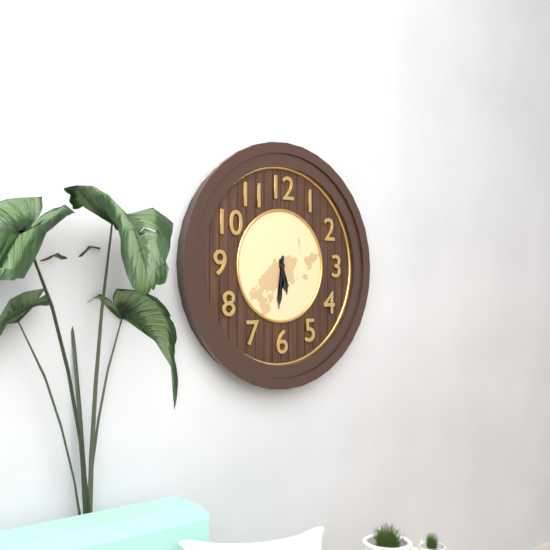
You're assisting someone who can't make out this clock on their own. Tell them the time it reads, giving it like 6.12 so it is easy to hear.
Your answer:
5.31
